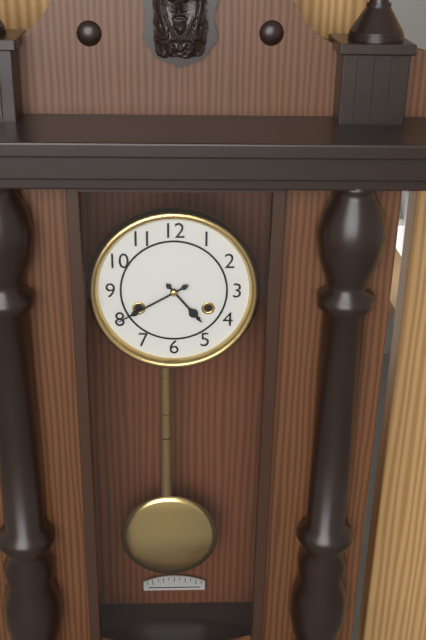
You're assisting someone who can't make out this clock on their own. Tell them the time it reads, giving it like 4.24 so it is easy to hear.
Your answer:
4.40
